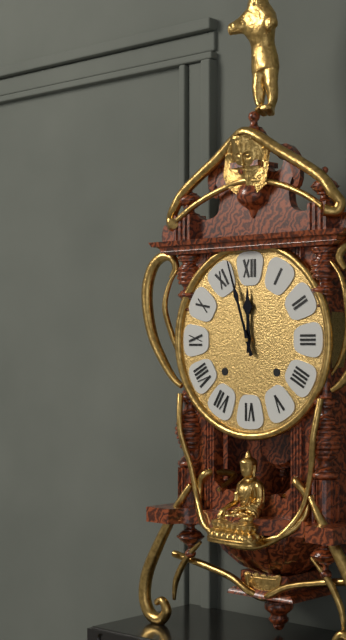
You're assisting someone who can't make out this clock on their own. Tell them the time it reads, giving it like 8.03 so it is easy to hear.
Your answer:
11.57
